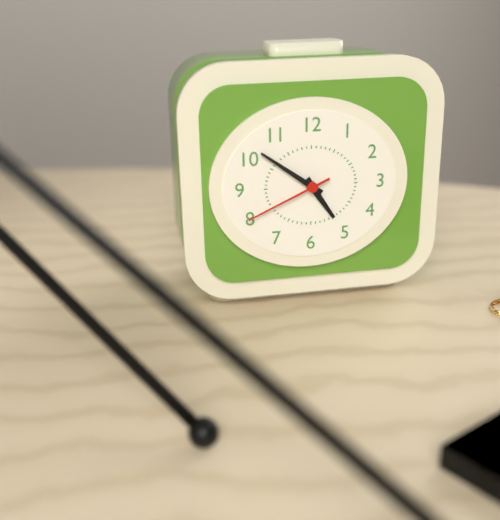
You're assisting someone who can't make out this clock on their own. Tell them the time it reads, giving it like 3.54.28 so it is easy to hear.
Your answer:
4.51.41
